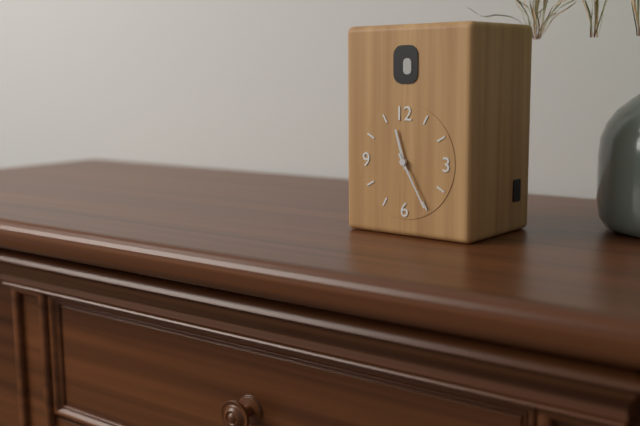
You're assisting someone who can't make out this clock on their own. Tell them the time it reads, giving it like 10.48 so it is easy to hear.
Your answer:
11.25
